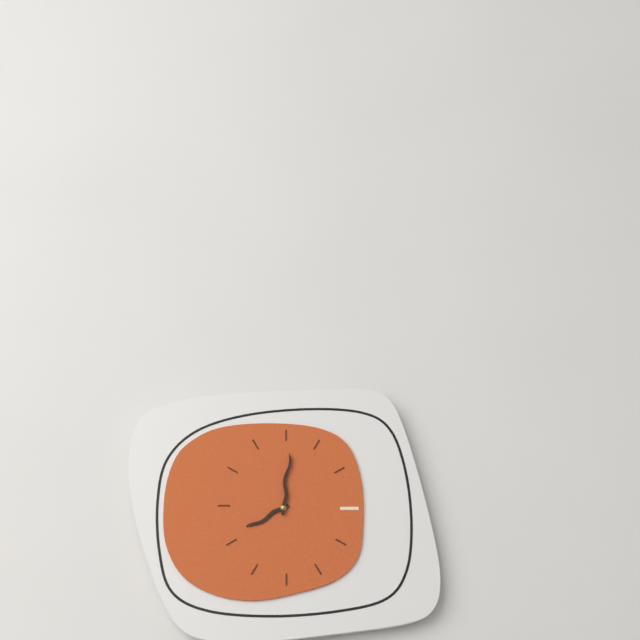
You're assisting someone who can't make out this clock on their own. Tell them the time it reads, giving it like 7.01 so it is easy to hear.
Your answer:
8.01
